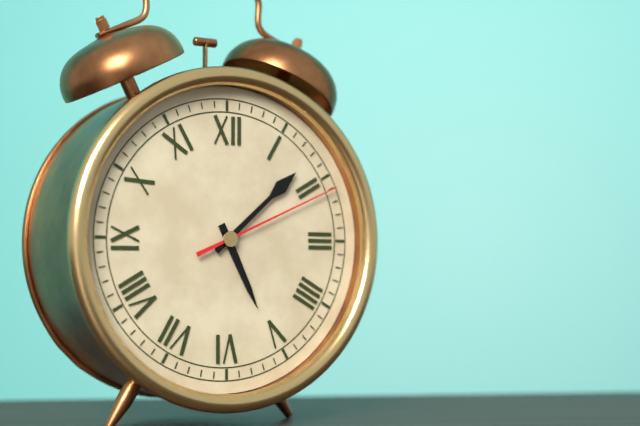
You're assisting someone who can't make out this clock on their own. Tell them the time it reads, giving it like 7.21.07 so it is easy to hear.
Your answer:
5.08.11
